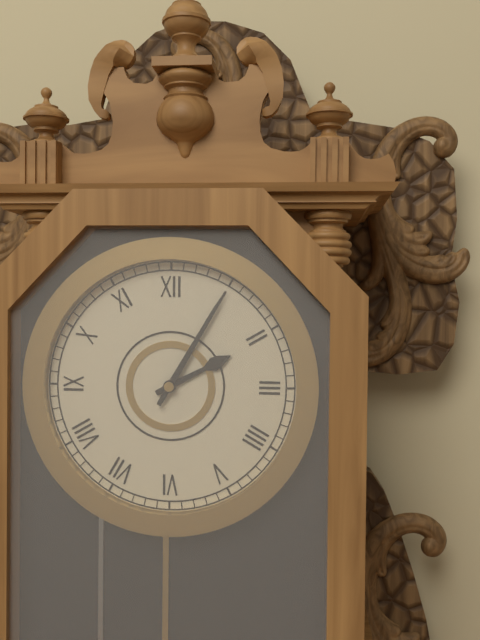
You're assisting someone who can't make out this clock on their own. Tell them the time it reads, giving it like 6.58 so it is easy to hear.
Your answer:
2.05
